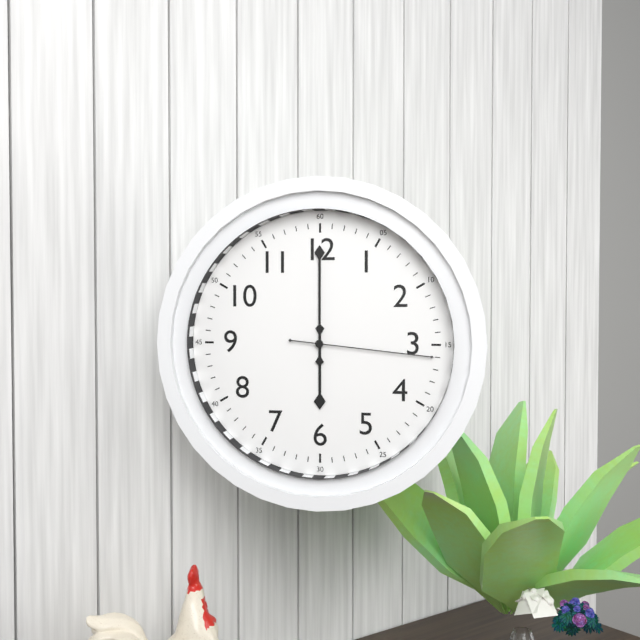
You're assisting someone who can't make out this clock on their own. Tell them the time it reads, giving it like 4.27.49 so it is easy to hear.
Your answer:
6.00.16
